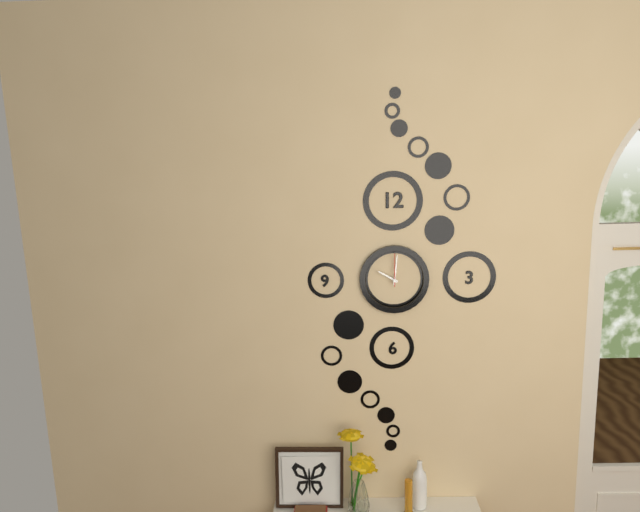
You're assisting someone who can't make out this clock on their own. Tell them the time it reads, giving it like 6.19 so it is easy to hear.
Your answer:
10.01
